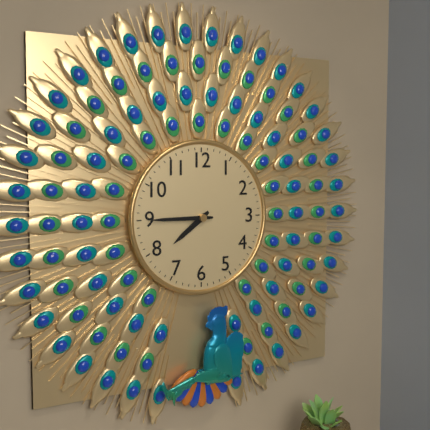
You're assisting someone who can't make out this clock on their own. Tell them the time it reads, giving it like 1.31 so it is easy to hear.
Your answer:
7.45
